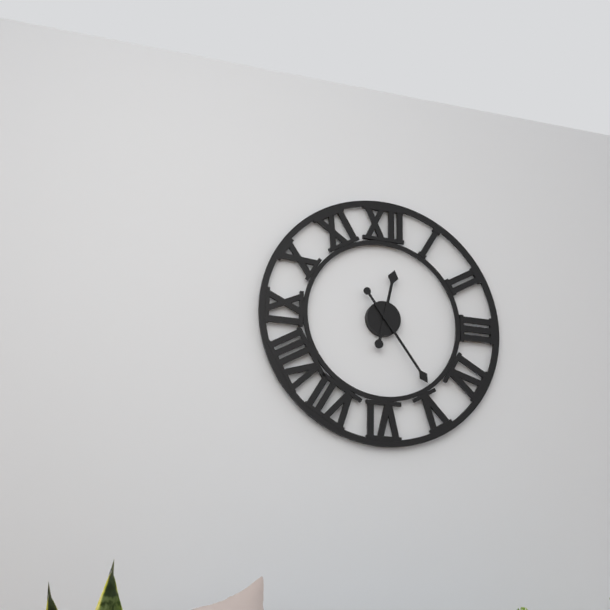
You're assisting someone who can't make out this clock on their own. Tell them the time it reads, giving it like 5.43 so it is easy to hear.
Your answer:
12.24
